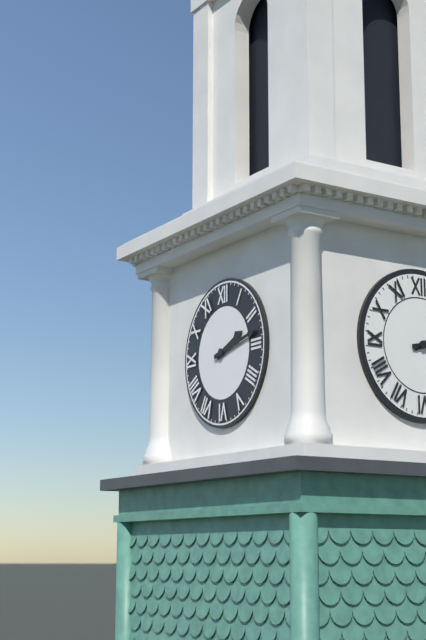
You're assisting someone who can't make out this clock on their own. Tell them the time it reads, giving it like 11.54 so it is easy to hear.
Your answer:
2.13
